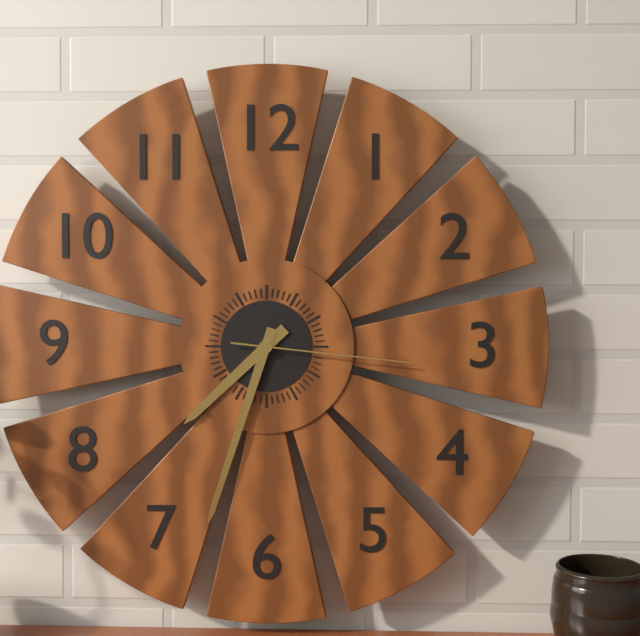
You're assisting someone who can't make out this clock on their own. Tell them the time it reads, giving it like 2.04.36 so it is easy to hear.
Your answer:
7.33.16
